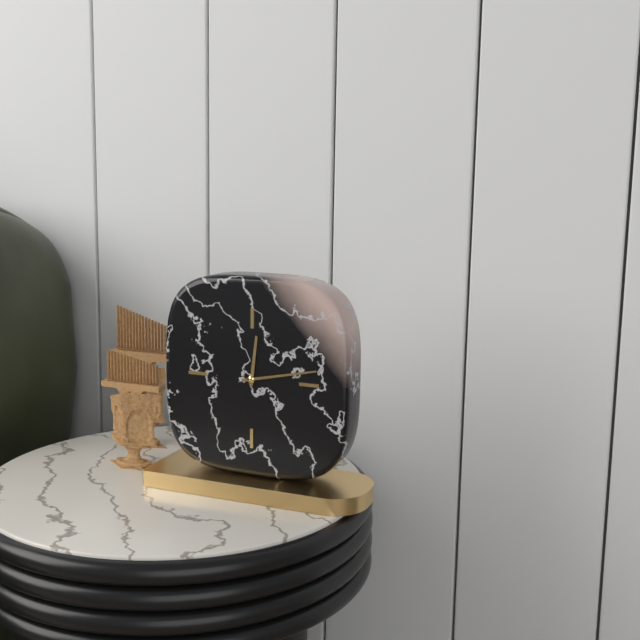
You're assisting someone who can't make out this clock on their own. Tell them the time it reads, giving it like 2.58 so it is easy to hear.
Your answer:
12.13
